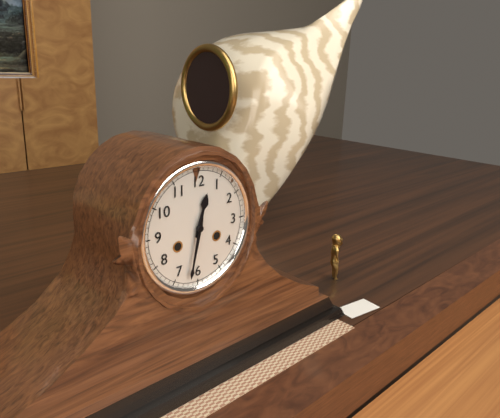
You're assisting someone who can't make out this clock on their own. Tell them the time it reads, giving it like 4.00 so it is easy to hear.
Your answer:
12.32
